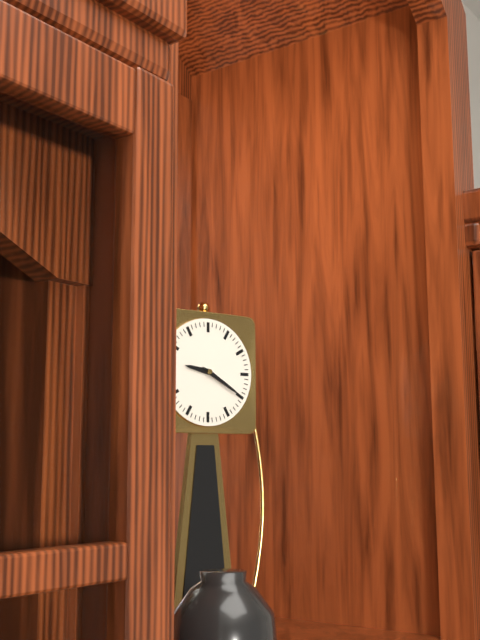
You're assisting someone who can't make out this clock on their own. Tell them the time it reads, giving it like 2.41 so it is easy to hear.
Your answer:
9.20
